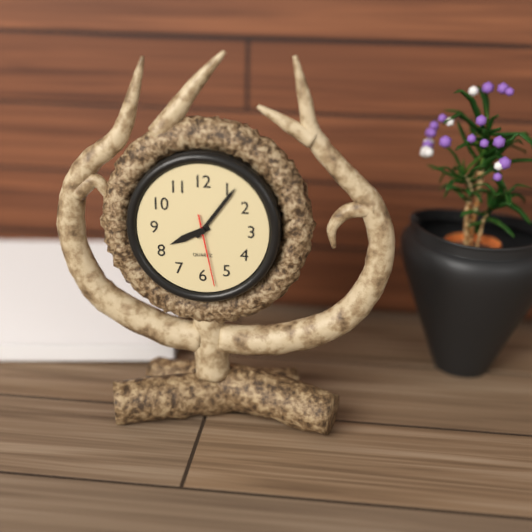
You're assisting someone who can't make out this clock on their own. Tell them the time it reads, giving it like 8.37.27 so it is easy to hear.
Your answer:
8.06.28
